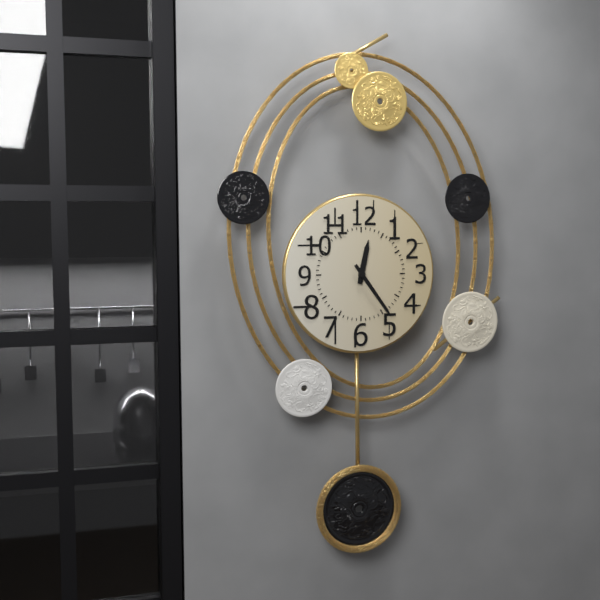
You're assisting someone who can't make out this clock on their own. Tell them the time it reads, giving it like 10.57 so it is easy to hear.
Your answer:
12.24
